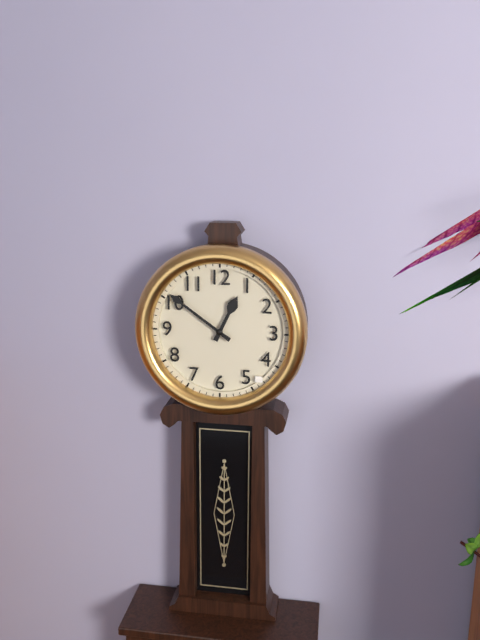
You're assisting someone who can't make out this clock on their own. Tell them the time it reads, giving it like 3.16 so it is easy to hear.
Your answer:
12.51
